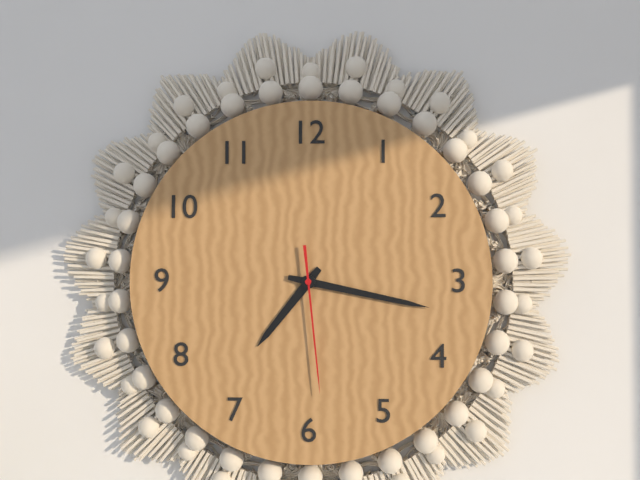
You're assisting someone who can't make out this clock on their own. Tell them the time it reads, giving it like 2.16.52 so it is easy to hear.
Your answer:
7.17.29
